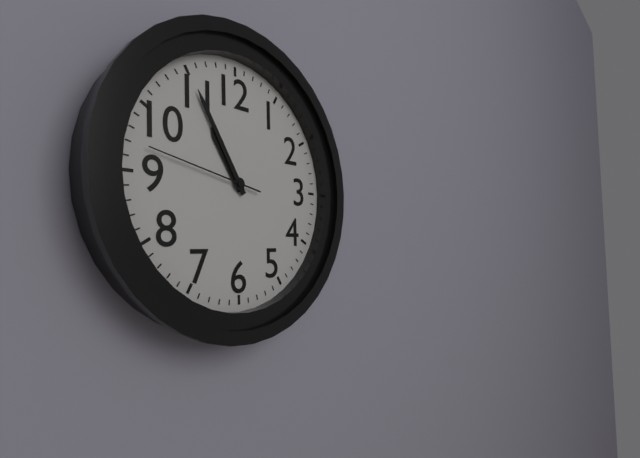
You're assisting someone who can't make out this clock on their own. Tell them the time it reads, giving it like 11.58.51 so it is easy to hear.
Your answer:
10.55.47
